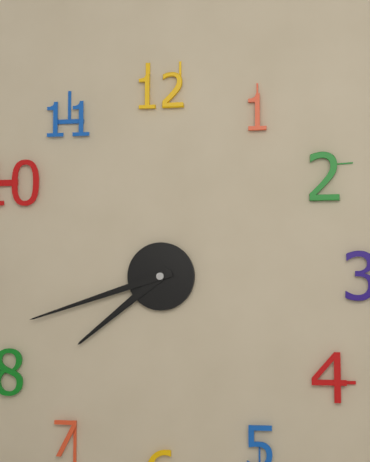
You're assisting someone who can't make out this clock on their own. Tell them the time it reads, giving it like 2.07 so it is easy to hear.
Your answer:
7.42
